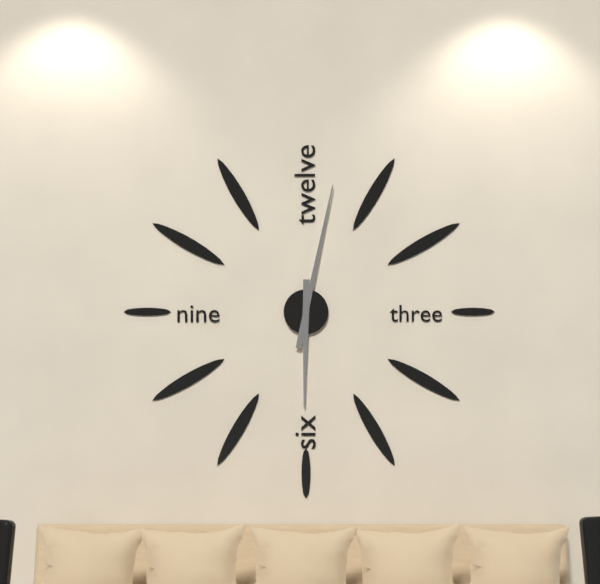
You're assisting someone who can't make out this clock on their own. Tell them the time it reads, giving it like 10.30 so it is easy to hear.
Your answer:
6.02
